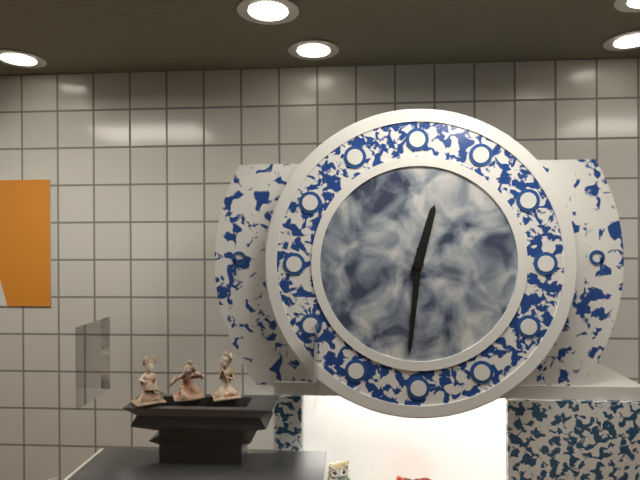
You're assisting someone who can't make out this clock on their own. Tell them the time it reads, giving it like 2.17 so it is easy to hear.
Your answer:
12.31
